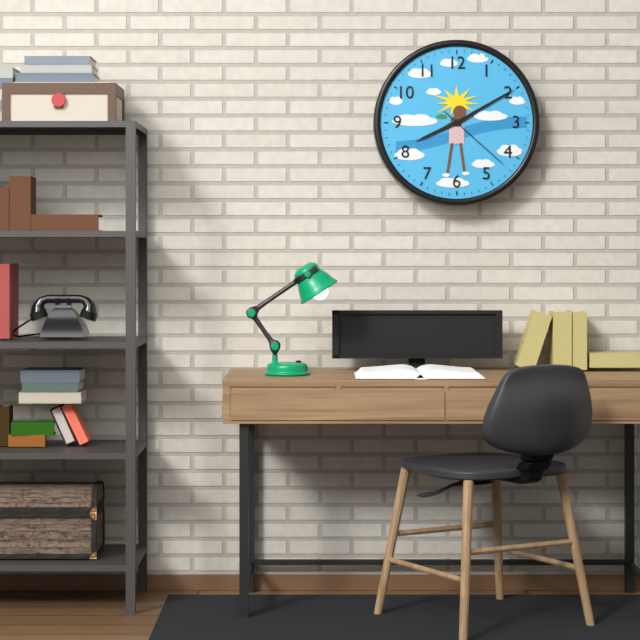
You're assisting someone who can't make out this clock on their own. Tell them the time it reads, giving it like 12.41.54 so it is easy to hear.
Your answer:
8.10.22
